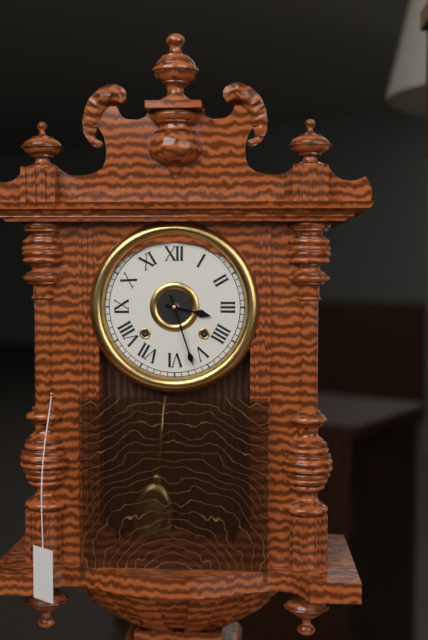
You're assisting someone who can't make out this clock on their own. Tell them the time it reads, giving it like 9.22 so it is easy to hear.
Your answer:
3.27
